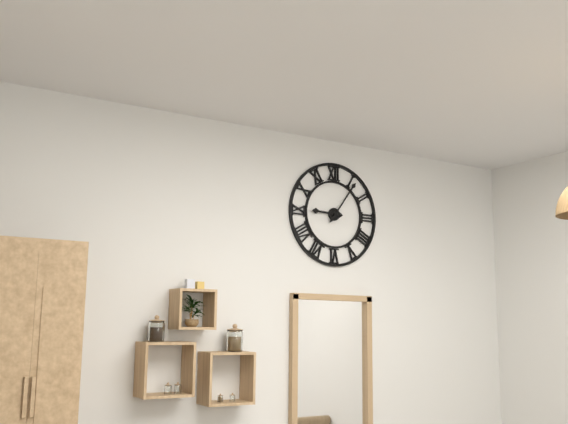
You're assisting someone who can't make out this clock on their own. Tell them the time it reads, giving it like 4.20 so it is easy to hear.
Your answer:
9.06
